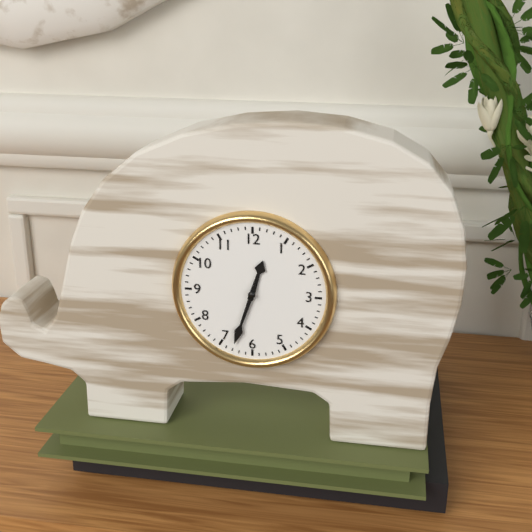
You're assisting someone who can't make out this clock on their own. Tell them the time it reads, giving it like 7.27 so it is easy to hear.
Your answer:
12.33
